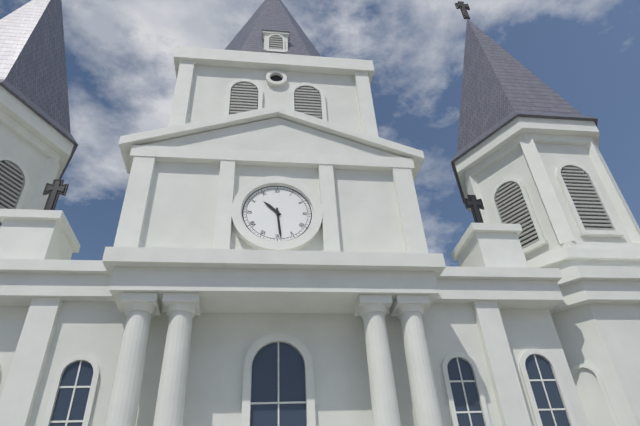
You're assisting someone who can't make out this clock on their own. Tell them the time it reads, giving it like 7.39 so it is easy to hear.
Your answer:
10.29
